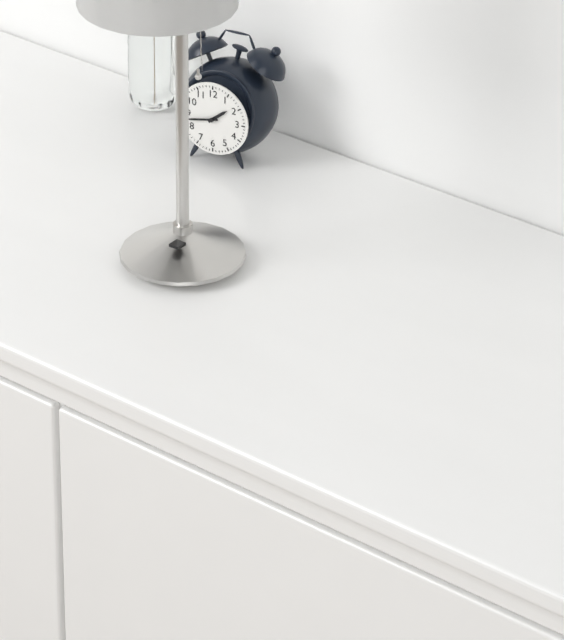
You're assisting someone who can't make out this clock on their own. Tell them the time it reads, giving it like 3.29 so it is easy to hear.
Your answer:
1.43
